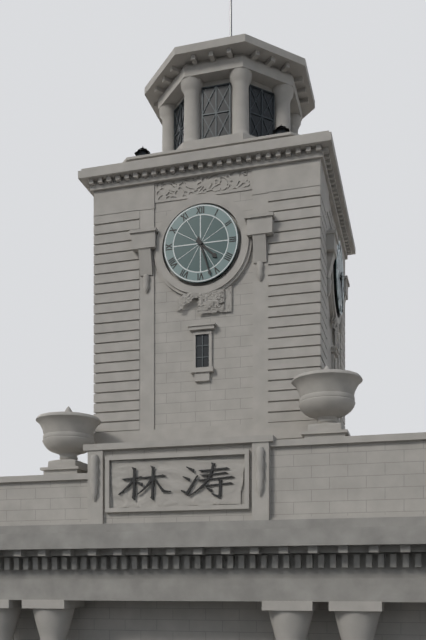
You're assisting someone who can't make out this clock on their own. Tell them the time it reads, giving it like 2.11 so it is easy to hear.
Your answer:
4.27
